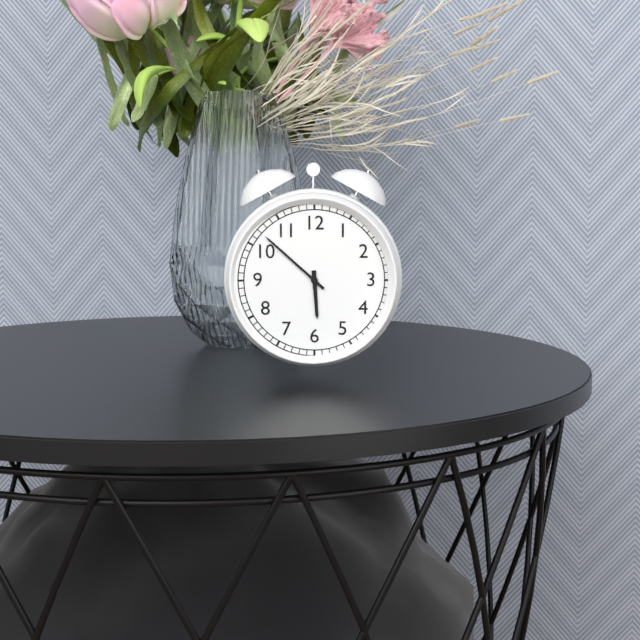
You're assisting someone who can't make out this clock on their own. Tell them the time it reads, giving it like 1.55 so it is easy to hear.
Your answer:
5.52
